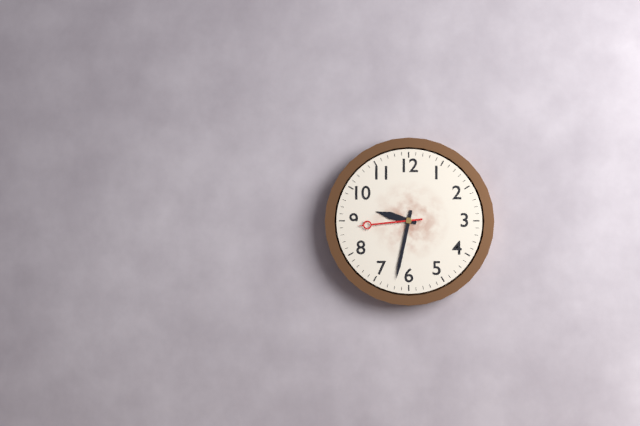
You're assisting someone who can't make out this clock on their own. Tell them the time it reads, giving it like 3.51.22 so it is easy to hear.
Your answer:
9.32.44
